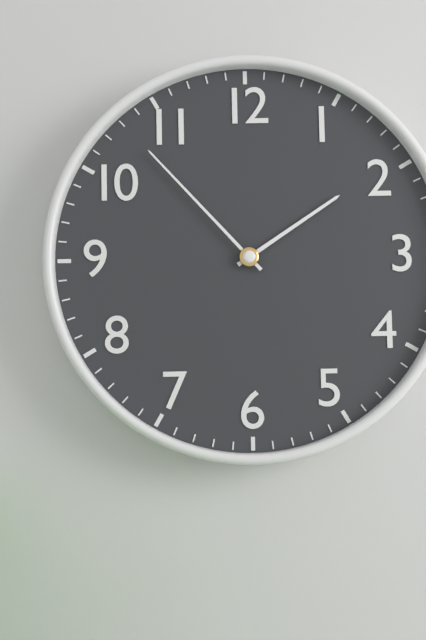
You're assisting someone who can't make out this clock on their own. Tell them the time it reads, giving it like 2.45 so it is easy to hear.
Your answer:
1.53
